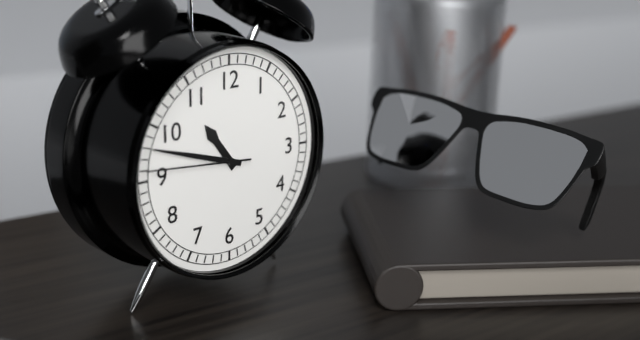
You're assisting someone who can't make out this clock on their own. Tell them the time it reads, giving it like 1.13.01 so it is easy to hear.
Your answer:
10.48.46
